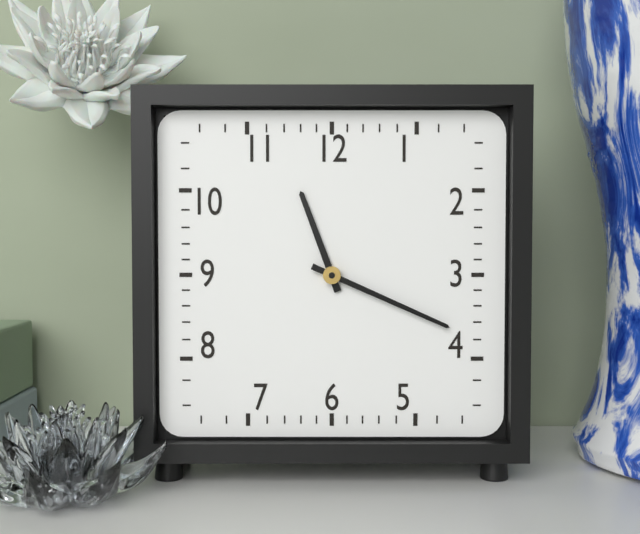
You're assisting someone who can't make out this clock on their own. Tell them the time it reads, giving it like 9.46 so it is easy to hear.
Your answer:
11.19
